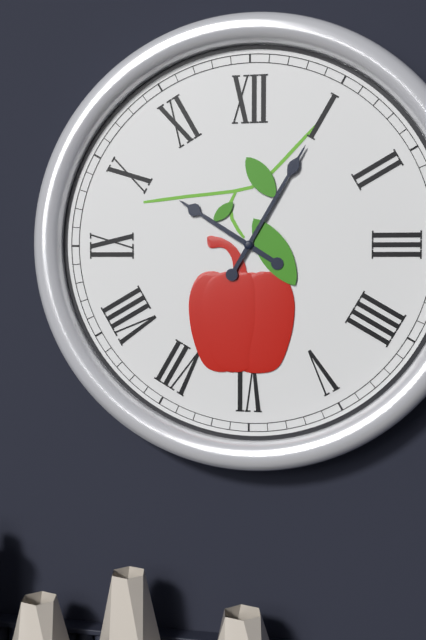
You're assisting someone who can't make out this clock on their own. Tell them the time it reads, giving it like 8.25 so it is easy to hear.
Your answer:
10.05
